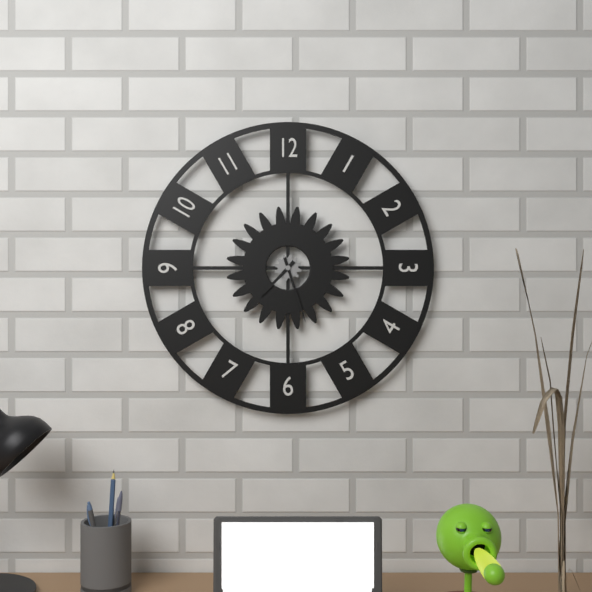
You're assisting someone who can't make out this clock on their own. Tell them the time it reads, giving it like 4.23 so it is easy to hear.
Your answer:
7.27
